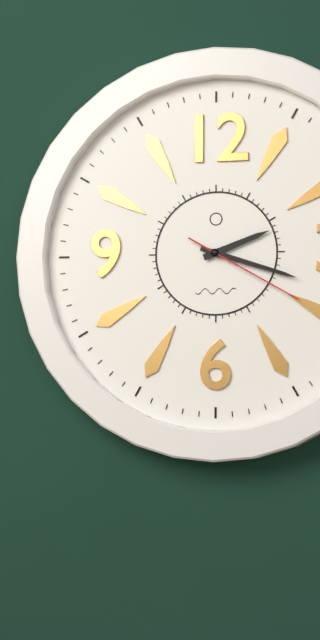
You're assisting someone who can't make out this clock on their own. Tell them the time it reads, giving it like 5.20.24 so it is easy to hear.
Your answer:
2.18.20
